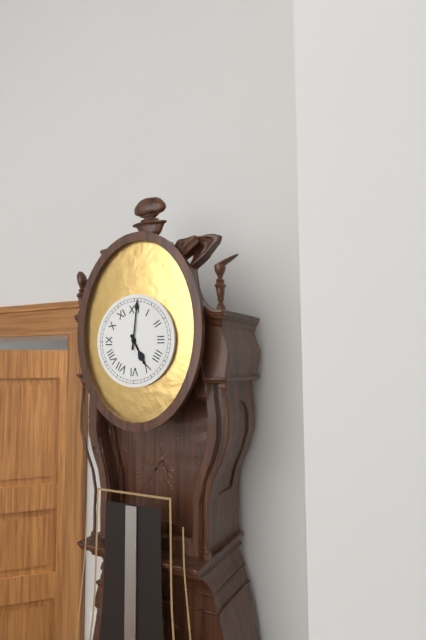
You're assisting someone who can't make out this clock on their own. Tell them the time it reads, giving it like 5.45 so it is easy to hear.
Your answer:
5.01
